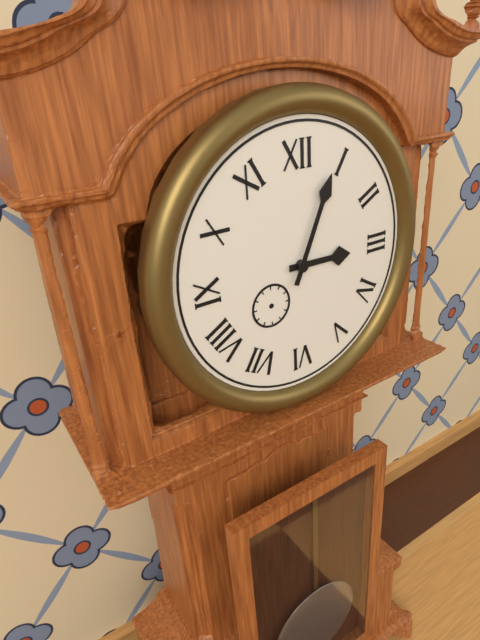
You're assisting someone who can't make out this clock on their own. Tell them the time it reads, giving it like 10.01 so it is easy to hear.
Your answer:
3.04
